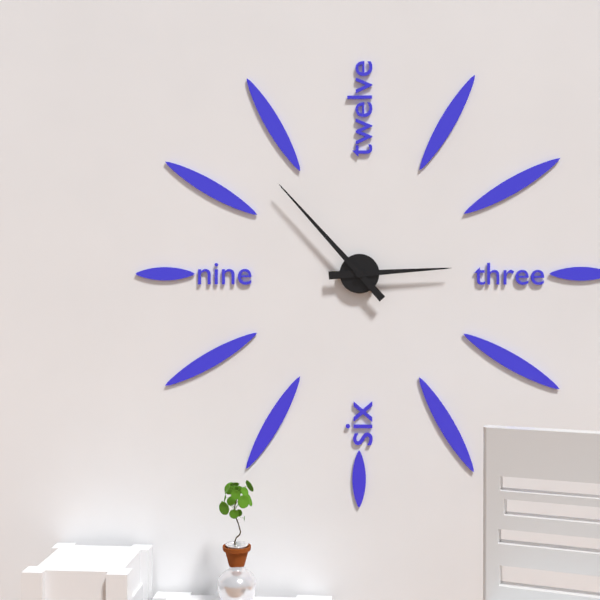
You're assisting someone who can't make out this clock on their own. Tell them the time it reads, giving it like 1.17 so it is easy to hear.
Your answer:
2.53
